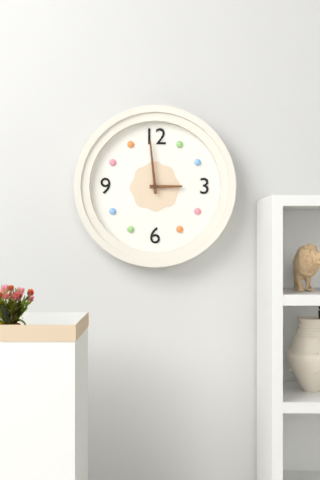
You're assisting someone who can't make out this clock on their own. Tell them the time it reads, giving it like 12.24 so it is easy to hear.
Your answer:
2.59
